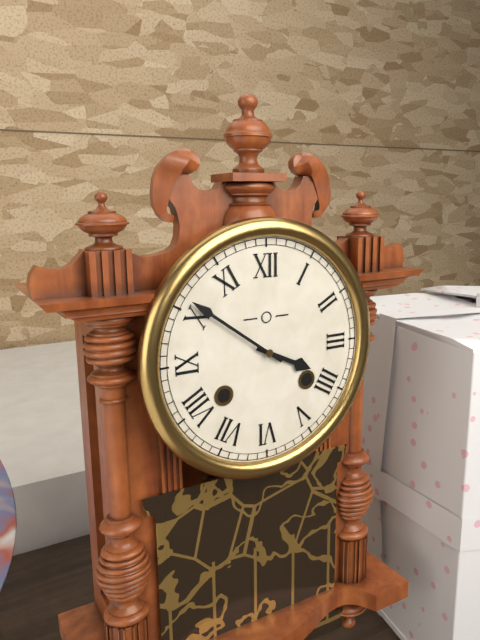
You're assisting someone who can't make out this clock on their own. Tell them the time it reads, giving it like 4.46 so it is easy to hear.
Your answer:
3.51
